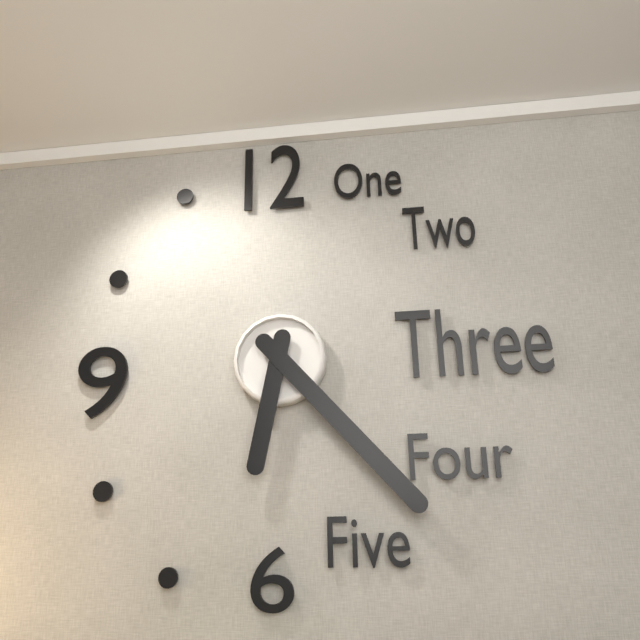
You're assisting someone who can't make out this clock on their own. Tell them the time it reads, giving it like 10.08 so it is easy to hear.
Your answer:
6.23
